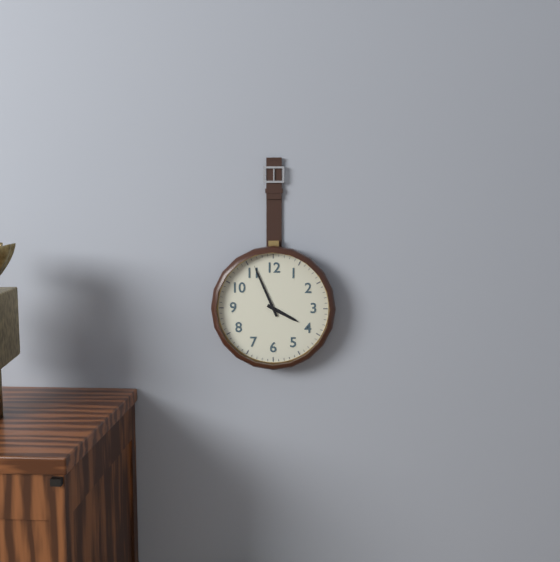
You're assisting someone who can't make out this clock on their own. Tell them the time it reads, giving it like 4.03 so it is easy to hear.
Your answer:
3.56
